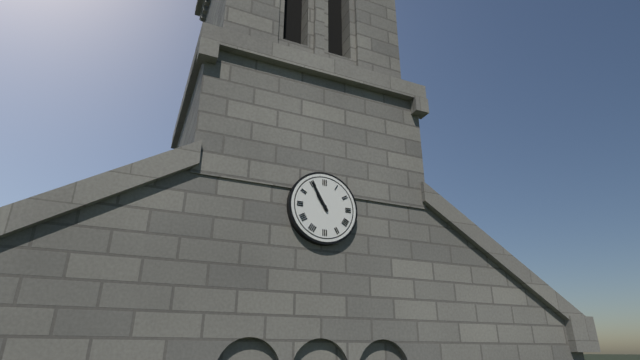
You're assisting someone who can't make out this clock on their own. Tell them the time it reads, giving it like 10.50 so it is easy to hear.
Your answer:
10.55
